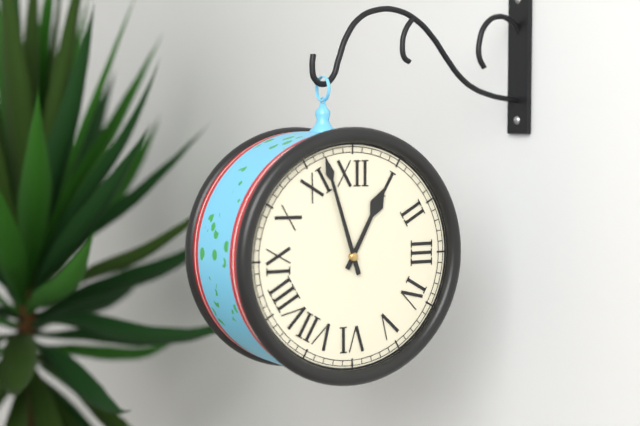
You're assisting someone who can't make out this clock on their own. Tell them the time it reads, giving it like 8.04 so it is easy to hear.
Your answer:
12.57
